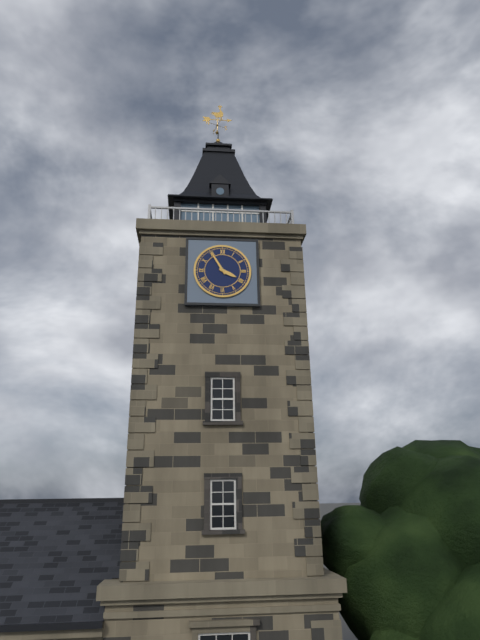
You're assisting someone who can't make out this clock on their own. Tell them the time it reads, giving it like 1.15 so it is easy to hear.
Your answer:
3.55
